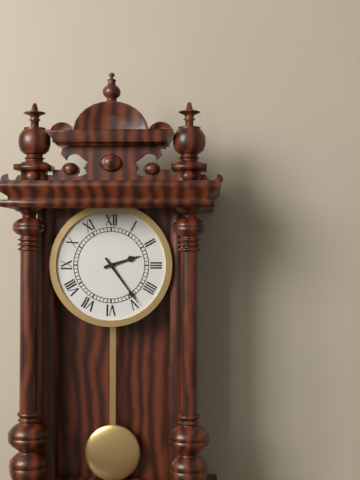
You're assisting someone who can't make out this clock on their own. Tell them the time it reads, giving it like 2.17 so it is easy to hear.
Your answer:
2.24
